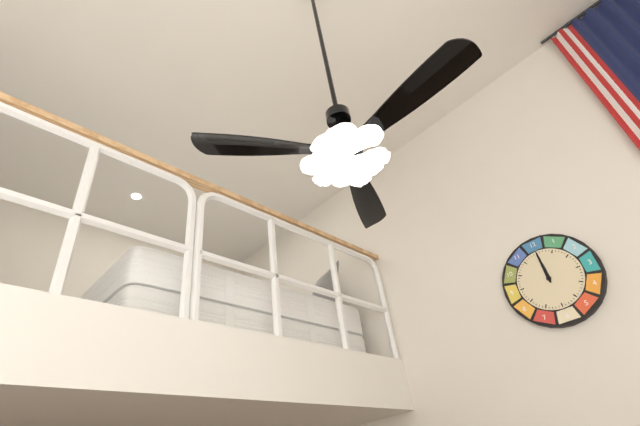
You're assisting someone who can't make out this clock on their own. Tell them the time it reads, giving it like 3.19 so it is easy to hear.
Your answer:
12.00
